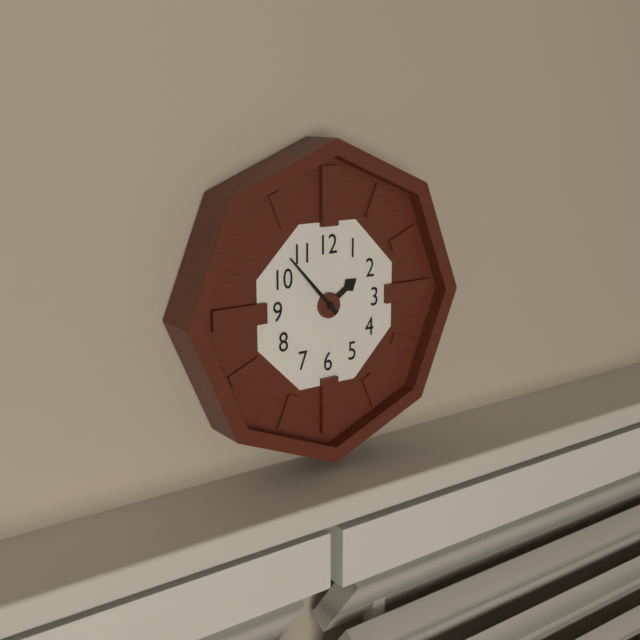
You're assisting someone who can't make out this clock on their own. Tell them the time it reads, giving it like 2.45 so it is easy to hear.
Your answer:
1.53
